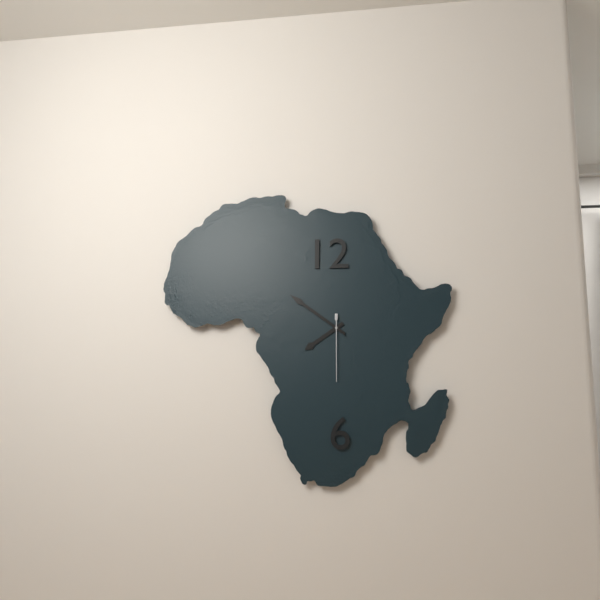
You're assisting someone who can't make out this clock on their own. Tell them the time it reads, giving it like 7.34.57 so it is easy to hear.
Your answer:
7.51.30
